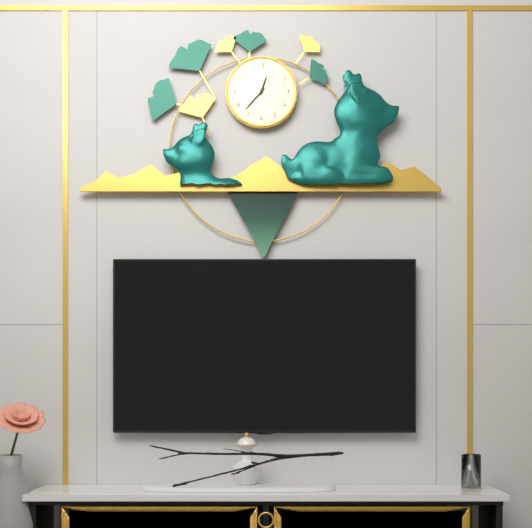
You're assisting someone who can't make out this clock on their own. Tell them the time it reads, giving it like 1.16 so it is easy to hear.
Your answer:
12.37
